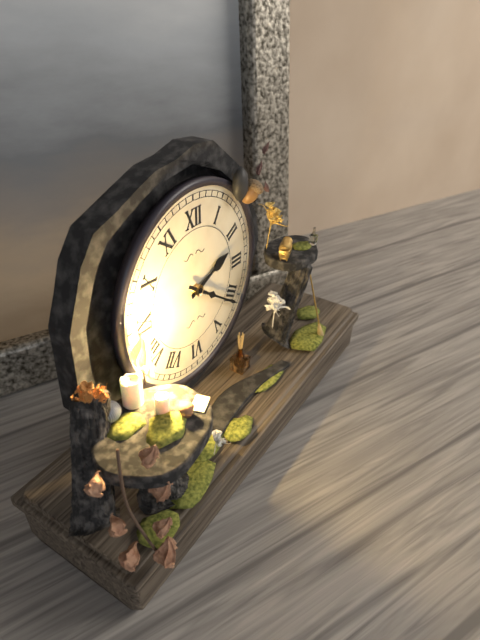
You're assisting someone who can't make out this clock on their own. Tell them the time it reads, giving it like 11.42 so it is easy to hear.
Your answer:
2.21
